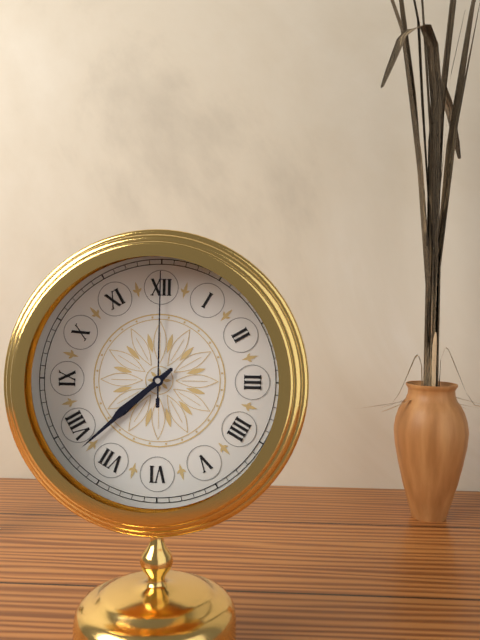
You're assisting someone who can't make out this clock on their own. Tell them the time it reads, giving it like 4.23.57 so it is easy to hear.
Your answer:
7.38.00
